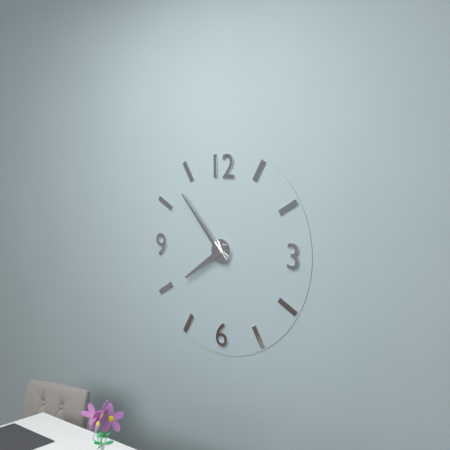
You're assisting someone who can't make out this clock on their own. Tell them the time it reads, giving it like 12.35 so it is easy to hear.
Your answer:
7.53
